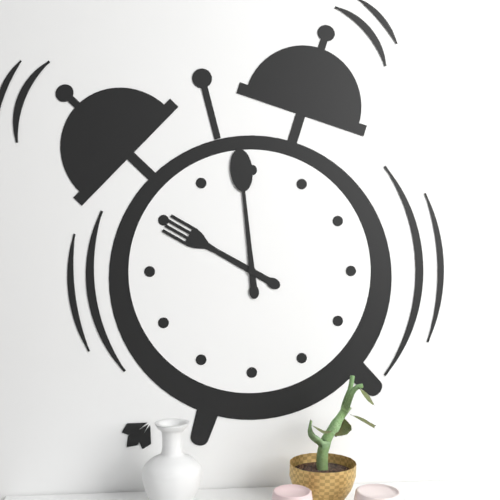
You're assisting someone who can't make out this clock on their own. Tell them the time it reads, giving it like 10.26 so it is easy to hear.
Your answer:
9.59
